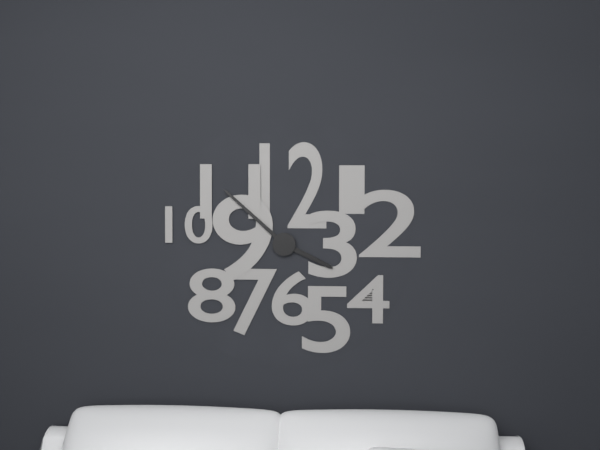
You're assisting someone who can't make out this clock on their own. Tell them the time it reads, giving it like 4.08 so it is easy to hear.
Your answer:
3.52
